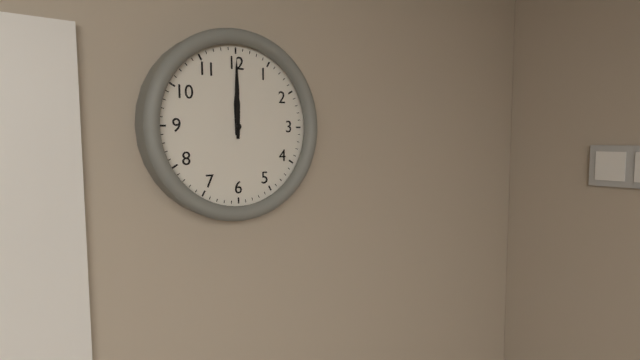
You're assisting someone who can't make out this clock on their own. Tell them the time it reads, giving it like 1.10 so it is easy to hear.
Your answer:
12.00
